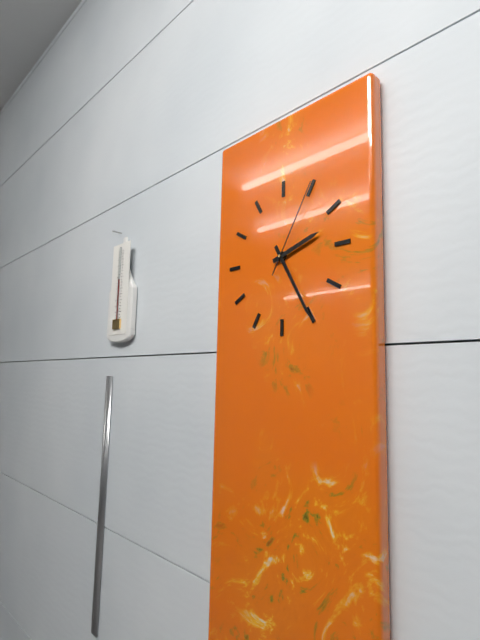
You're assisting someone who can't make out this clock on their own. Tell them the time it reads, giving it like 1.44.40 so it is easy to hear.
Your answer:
2.25.05
